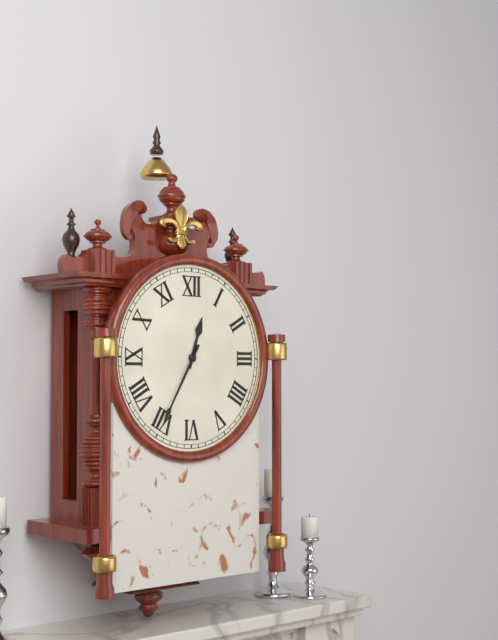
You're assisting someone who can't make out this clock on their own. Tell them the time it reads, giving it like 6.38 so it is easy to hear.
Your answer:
12.35
